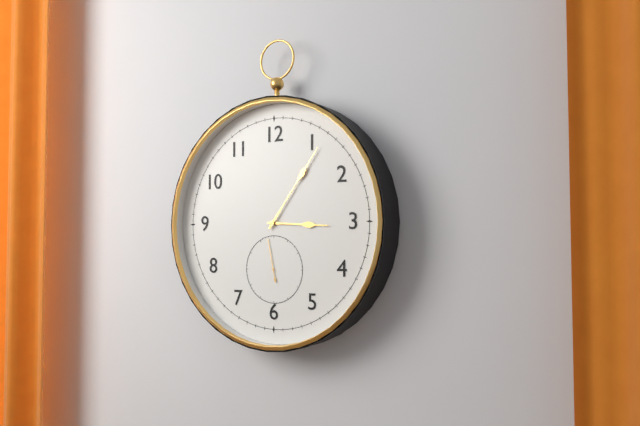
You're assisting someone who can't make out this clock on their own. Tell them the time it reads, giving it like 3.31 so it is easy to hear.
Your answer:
3.06
